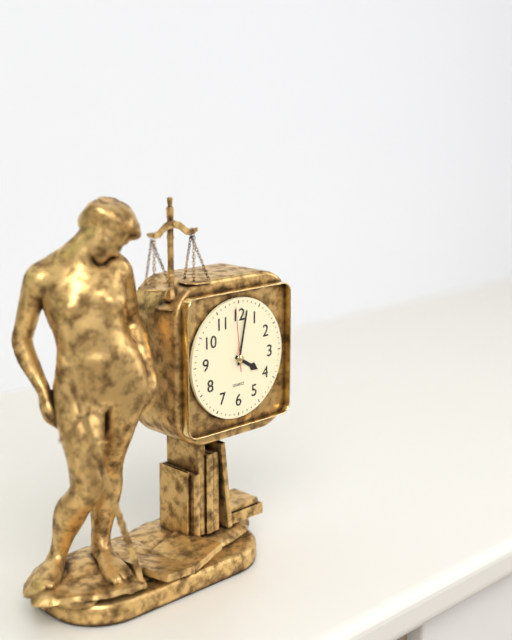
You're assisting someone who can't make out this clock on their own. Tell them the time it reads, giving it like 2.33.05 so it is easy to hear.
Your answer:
4.02.59
